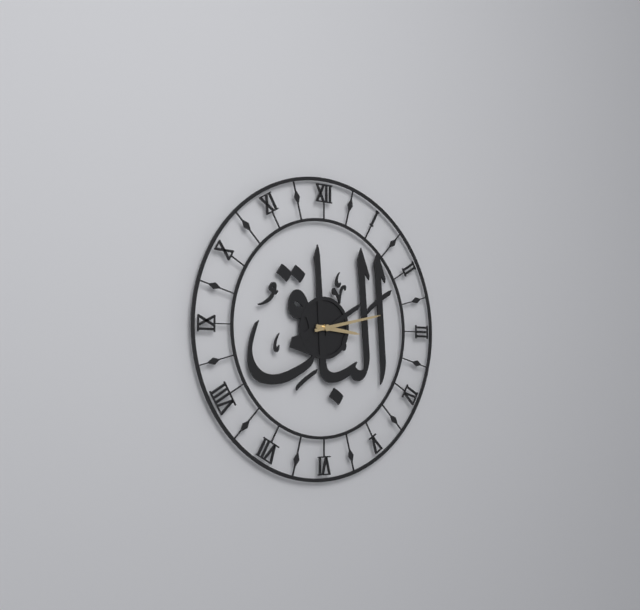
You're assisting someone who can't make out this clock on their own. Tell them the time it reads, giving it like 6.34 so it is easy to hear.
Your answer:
3.13
